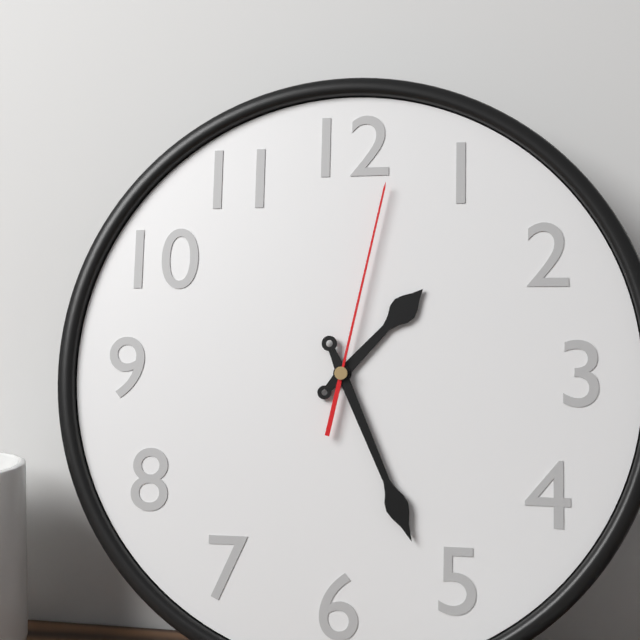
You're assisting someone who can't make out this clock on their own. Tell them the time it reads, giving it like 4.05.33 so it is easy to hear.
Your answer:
1.26.02
